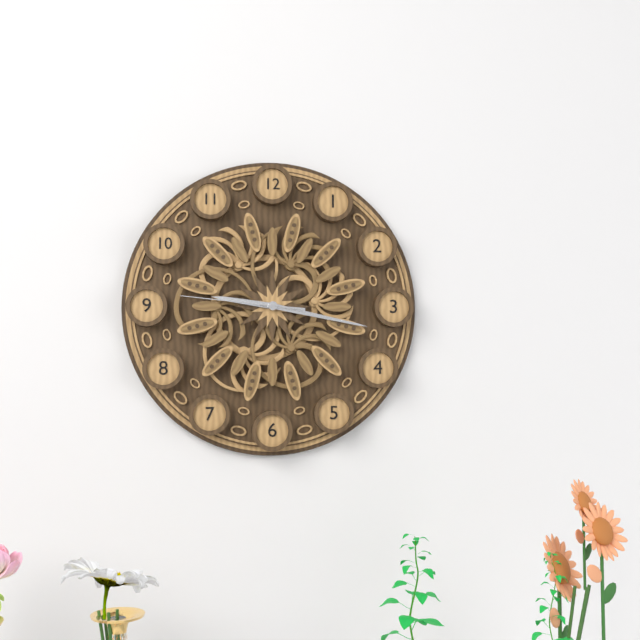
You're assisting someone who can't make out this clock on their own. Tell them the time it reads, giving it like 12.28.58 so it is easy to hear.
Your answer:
9.17.46
